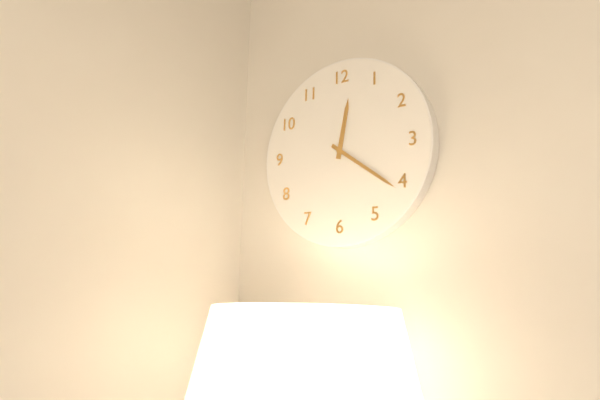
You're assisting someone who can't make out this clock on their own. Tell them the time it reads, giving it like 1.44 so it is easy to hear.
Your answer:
12.21
